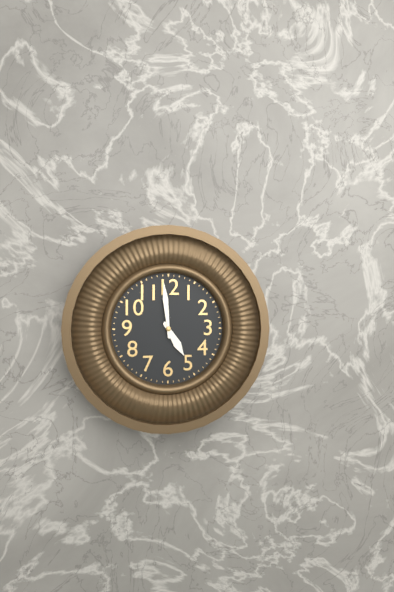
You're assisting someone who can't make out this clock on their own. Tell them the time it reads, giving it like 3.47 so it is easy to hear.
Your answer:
4.59
